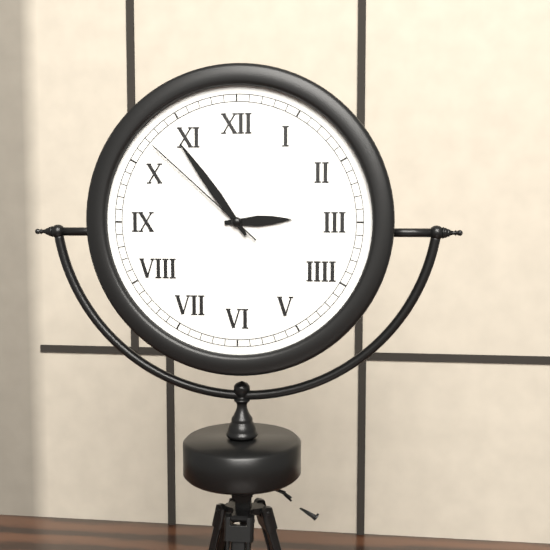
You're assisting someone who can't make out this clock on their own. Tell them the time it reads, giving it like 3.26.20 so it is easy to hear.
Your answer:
2.54.52
